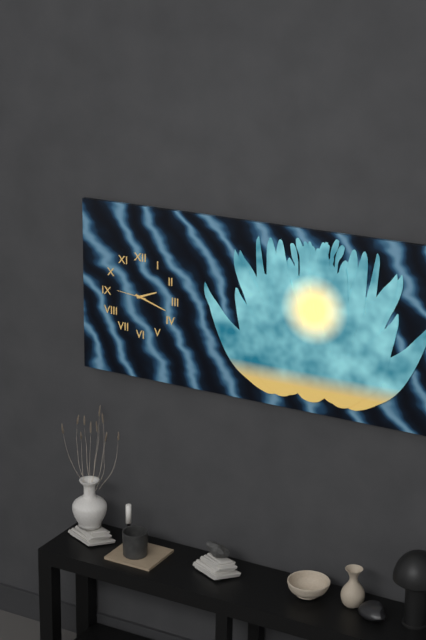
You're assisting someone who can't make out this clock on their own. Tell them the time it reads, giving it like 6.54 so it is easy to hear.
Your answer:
2.18
